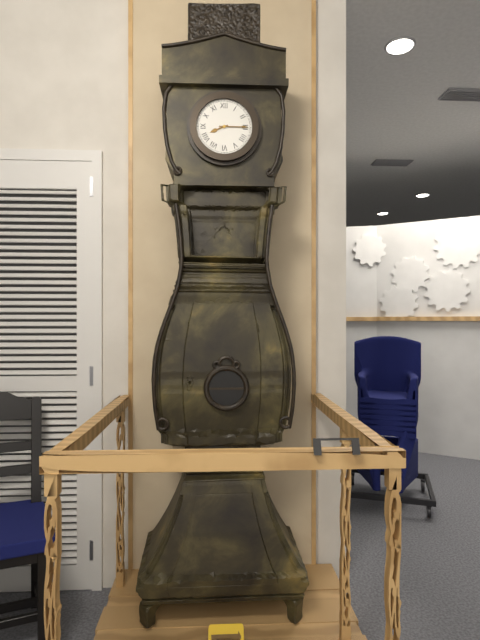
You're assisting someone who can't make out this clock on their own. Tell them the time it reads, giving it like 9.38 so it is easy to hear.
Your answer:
8.15
